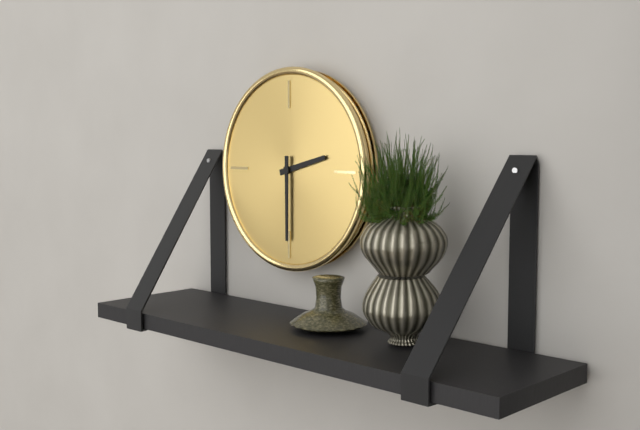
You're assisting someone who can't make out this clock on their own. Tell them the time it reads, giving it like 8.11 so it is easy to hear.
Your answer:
2.30
